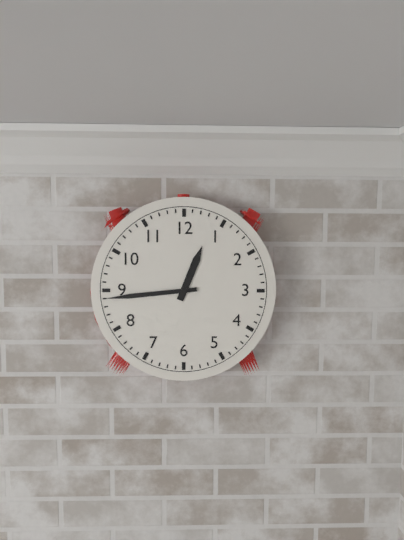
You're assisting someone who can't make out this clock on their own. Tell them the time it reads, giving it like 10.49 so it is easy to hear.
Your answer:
12.44
